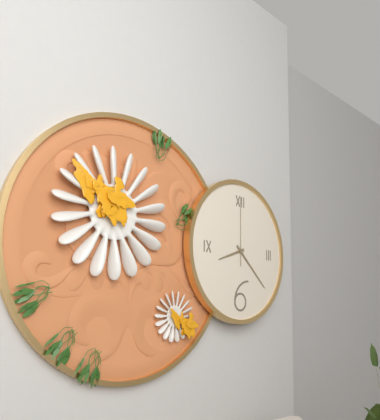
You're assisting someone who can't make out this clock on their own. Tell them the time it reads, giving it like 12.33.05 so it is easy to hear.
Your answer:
8.22.00
